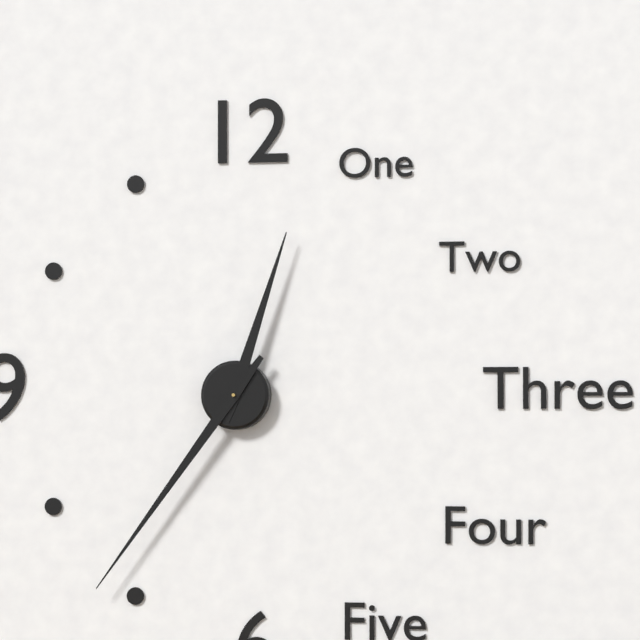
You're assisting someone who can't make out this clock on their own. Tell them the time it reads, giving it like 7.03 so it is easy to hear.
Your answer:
12.36
